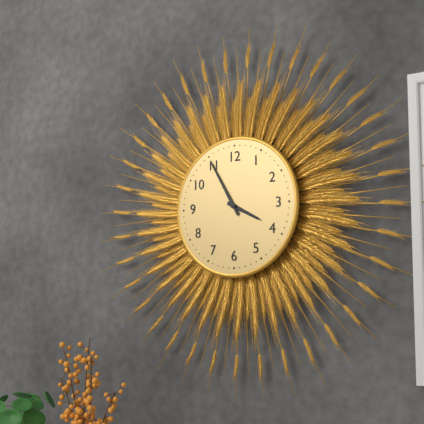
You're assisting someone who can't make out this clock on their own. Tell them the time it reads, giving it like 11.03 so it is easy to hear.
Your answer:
3.55
